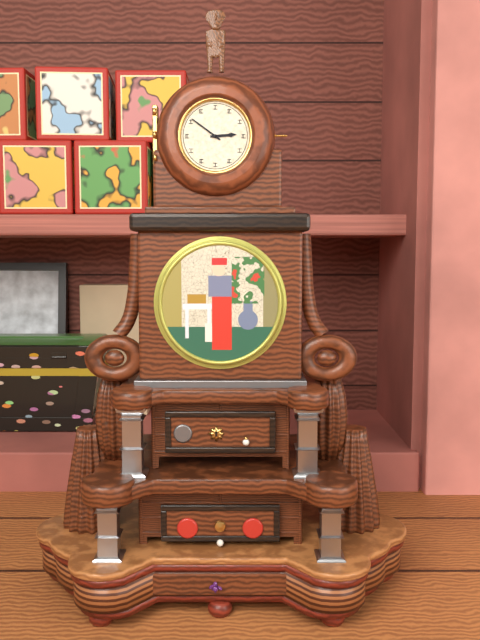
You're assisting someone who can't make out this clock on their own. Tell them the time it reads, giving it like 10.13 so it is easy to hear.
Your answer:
2.51
